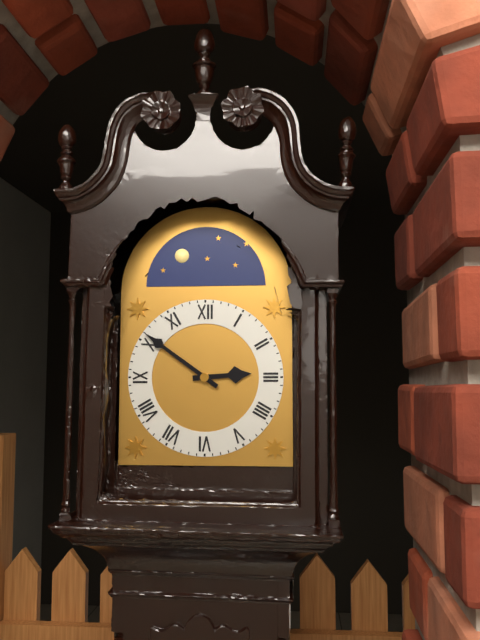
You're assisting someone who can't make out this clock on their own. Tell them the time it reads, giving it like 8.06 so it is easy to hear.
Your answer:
2.51
